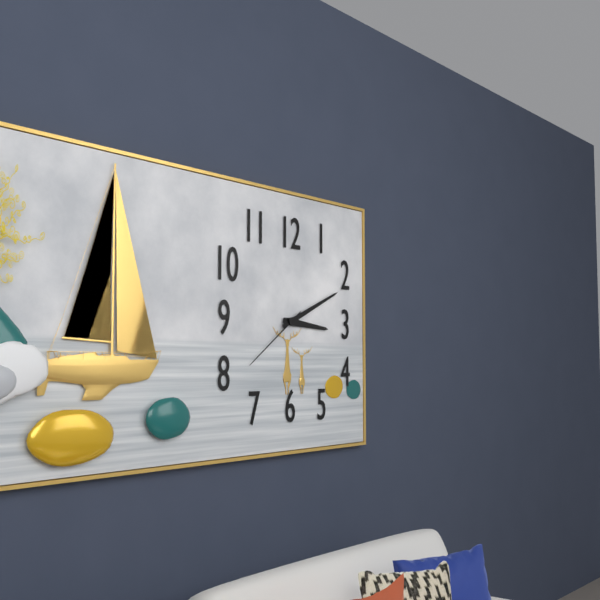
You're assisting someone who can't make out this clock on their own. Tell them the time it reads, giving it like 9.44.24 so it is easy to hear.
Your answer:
3.11.39
